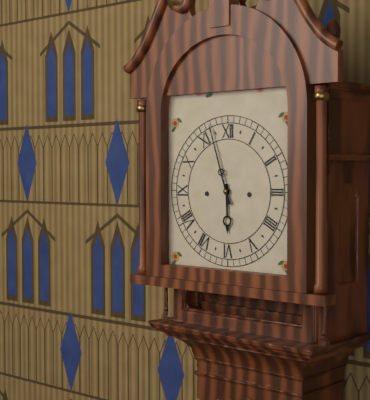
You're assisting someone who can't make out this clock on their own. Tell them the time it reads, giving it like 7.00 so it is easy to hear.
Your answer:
5.57
